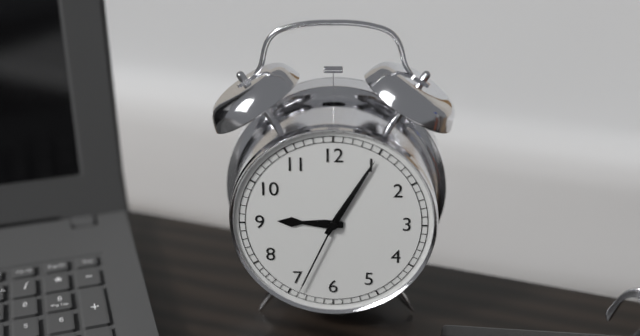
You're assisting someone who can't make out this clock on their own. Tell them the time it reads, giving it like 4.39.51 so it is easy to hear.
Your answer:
9.05.34
